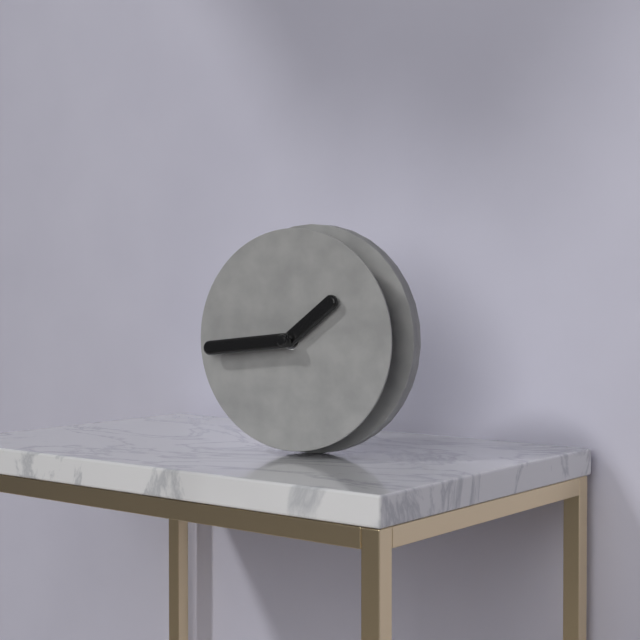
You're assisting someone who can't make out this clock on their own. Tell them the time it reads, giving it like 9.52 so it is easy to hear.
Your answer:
1.44
